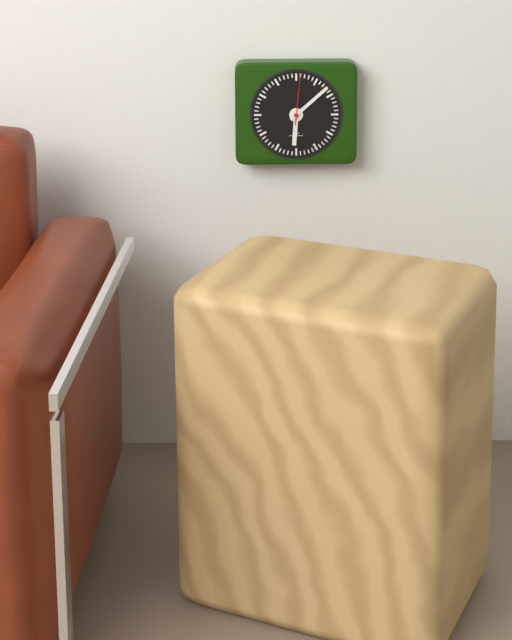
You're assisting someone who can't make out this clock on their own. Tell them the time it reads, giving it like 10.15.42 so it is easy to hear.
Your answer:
6.08.01
